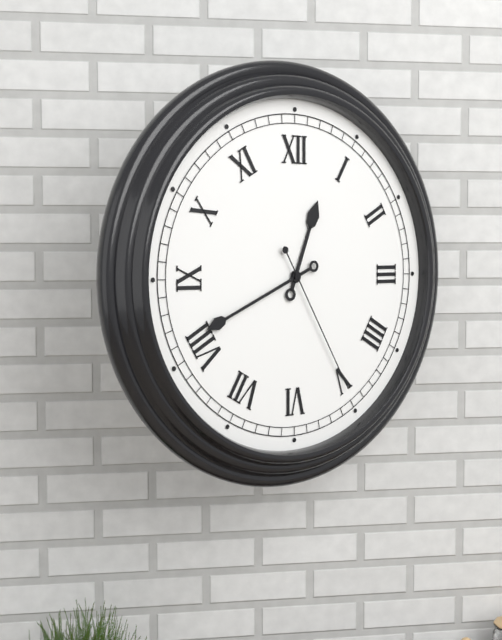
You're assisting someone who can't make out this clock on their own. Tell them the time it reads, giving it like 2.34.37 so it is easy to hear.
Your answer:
12.41.25
